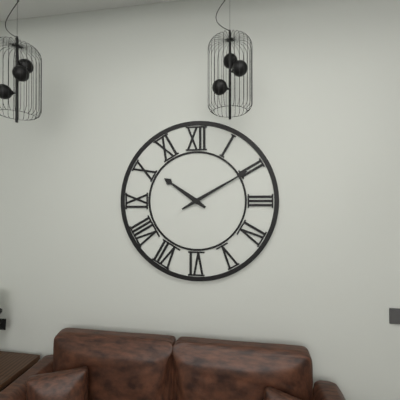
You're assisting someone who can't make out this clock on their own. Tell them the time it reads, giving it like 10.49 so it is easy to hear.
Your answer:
10.10
